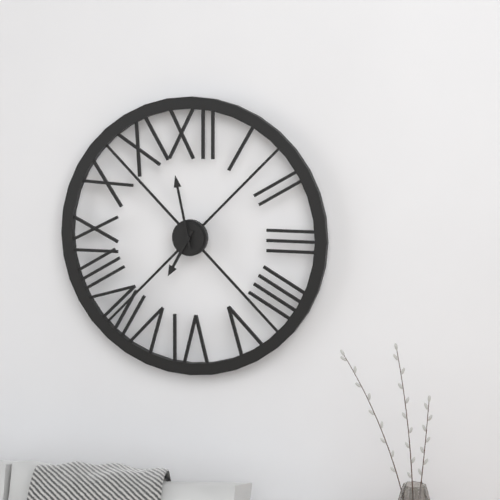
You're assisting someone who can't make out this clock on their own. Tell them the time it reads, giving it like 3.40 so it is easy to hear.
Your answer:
6.58
